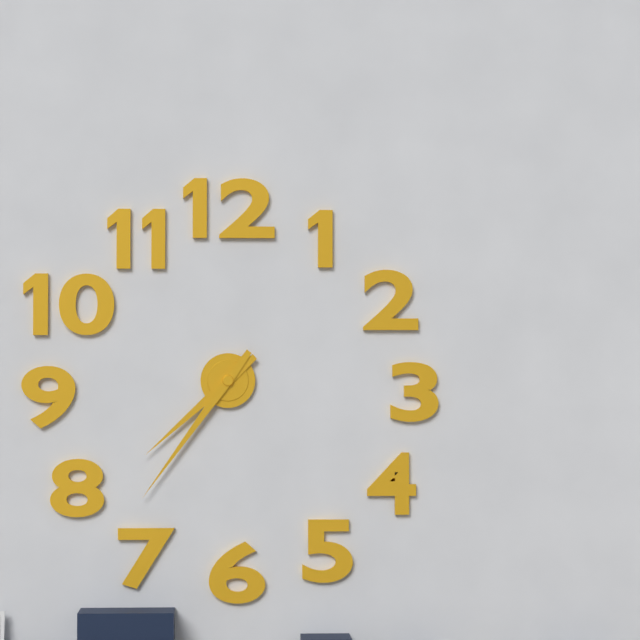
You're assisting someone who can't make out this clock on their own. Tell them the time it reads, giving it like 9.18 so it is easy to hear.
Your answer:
7.36
